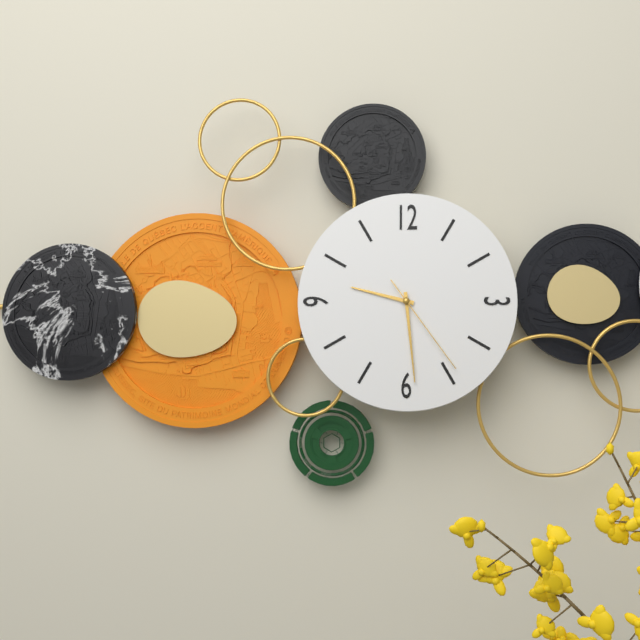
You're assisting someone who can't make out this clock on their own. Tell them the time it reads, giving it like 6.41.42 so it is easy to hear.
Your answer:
9.29.24
